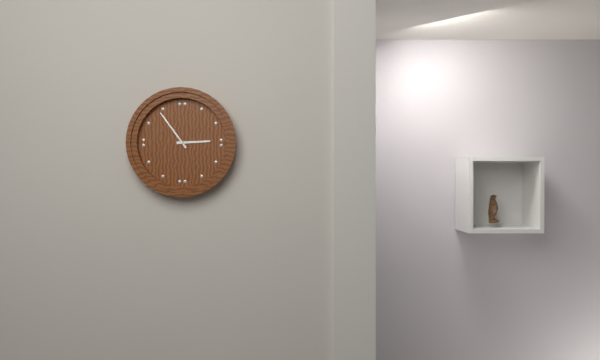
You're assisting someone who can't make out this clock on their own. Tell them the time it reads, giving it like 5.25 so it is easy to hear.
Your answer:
2.54
